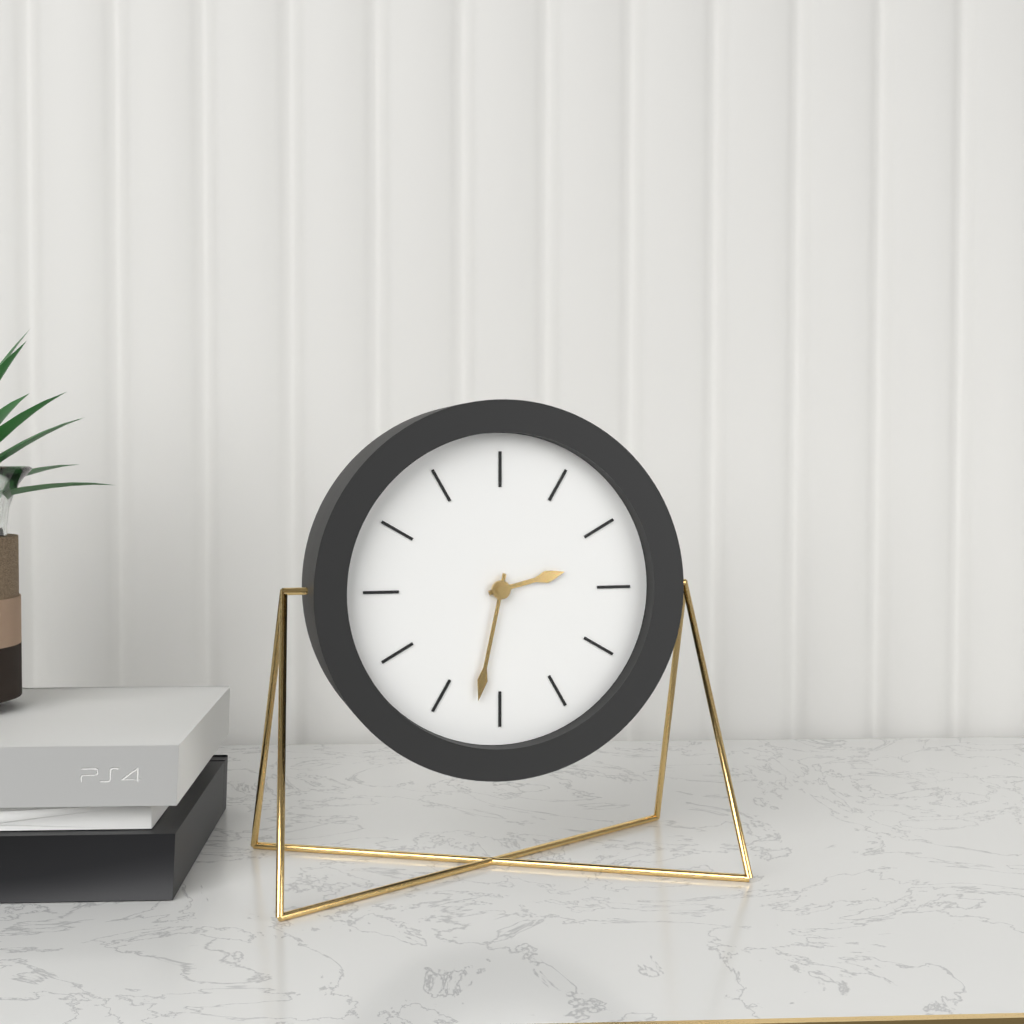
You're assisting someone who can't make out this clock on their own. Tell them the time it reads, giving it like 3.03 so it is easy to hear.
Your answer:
2.32
